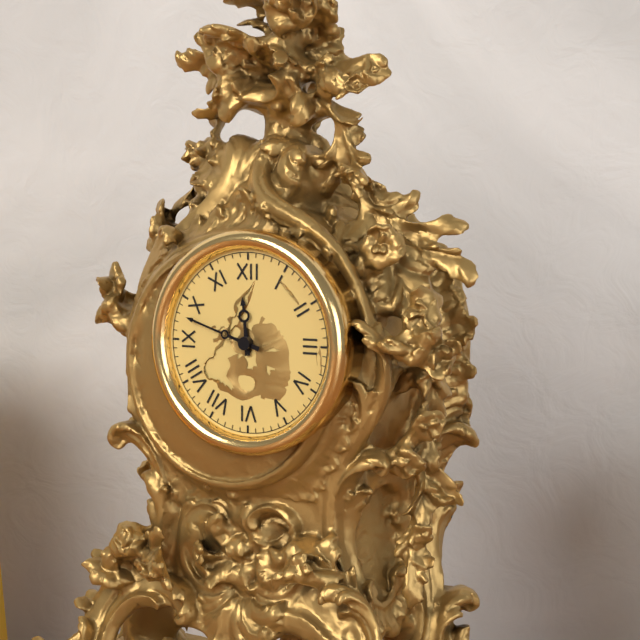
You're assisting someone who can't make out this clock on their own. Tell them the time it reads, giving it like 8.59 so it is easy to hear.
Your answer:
11.48
